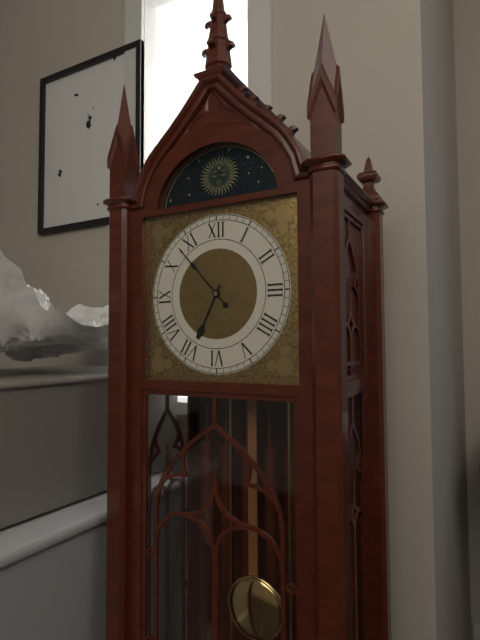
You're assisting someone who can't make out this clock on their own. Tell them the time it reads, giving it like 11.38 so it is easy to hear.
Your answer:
6.53
